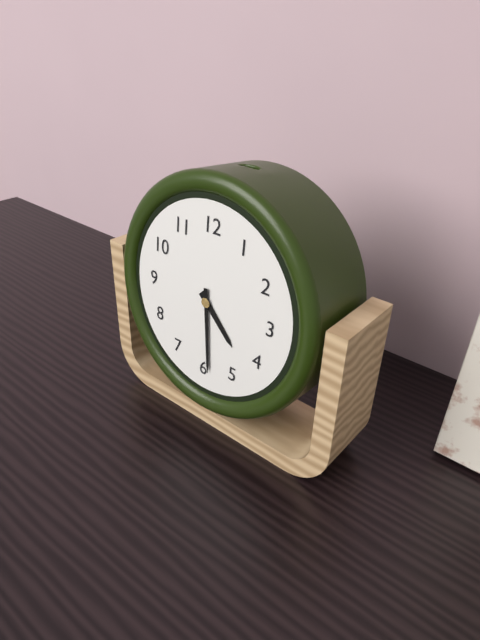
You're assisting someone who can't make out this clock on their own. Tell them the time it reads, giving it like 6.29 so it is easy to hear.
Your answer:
4.29
